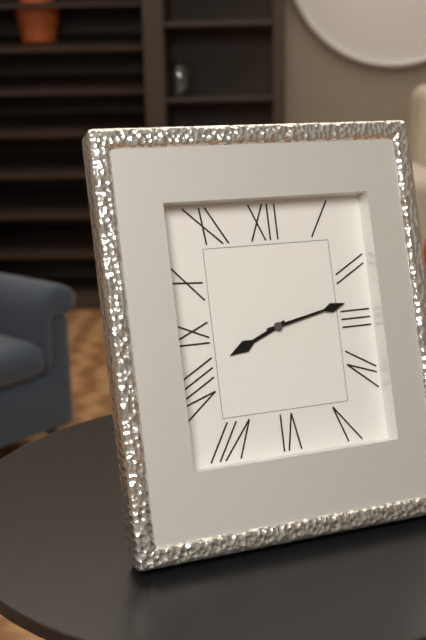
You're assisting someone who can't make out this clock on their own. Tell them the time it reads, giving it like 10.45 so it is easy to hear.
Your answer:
8.13
